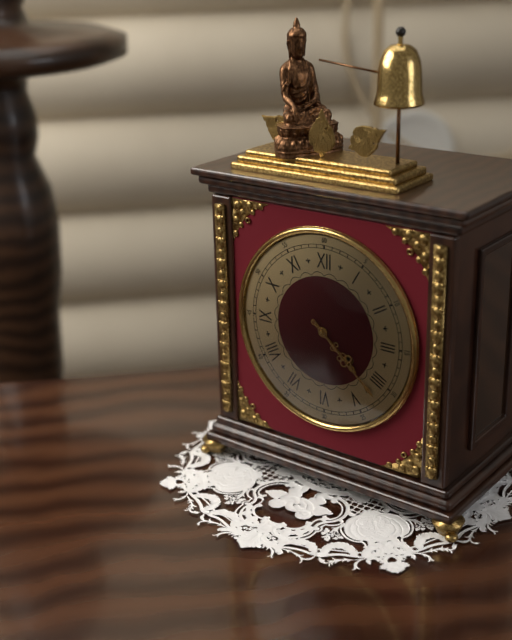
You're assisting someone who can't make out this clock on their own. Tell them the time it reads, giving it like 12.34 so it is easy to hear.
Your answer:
4.22
